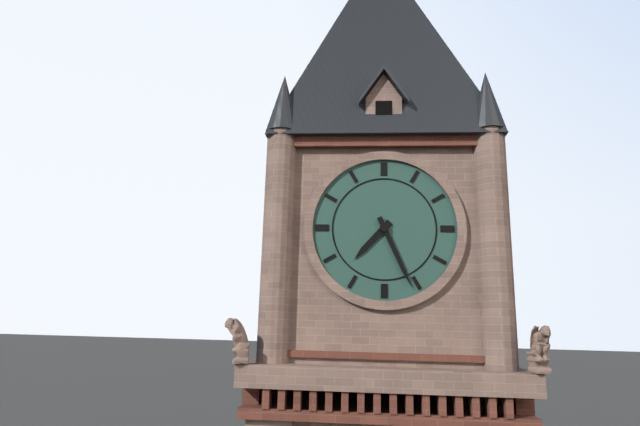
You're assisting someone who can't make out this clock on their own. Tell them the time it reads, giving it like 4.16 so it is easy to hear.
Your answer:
7.26
